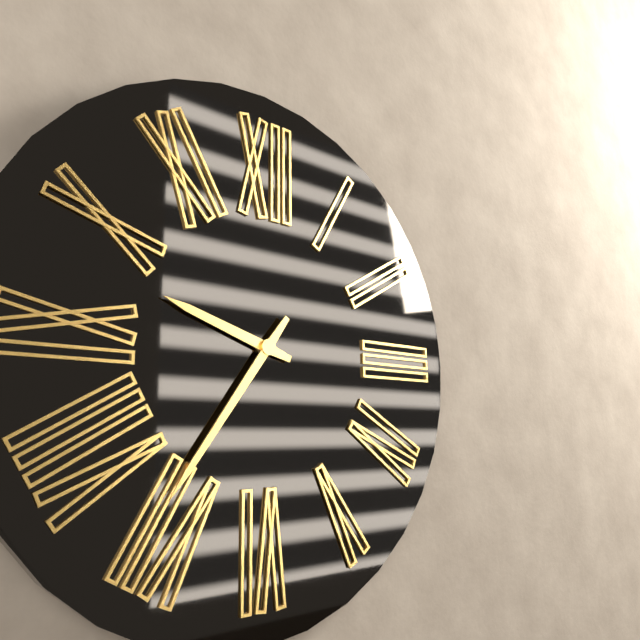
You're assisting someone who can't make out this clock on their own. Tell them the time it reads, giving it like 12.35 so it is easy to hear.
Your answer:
9.36
